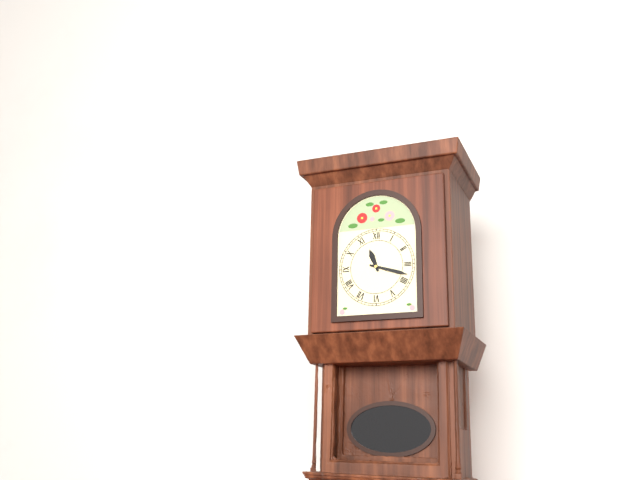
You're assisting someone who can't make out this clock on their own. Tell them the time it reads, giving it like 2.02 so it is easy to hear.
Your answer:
11.18
